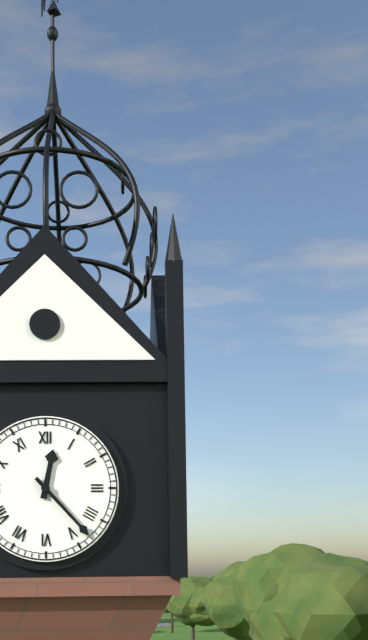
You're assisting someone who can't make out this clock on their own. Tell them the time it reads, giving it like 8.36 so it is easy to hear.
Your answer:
12.23
